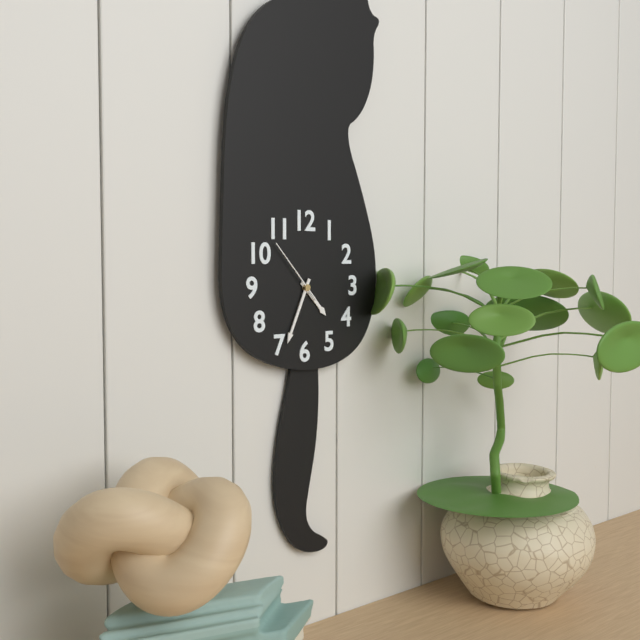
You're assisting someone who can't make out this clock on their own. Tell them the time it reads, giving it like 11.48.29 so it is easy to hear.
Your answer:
4.34.53
